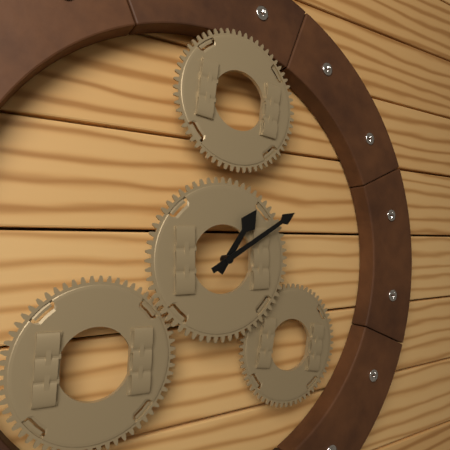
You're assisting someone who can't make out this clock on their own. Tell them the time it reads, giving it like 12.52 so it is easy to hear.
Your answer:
1.10
